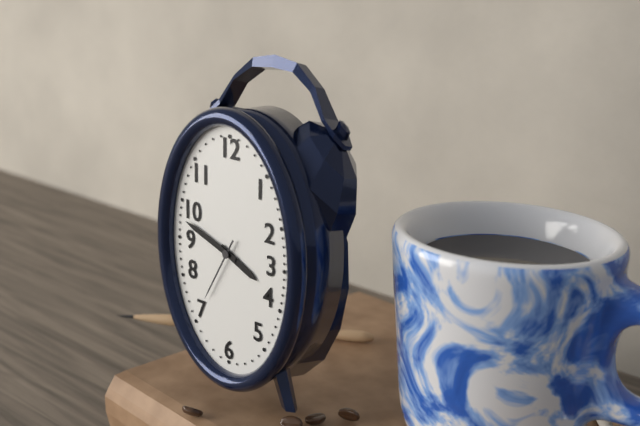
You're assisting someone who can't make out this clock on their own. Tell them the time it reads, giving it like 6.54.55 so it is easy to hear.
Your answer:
3.48.35
